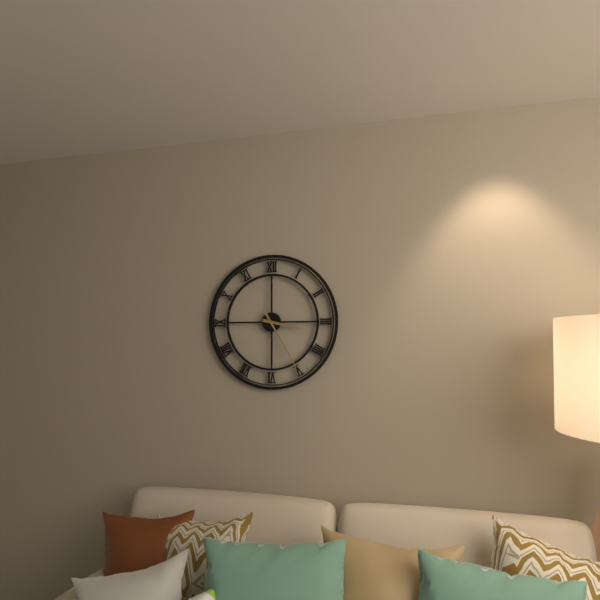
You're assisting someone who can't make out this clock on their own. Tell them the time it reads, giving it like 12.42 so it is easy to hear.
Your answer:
3.25
